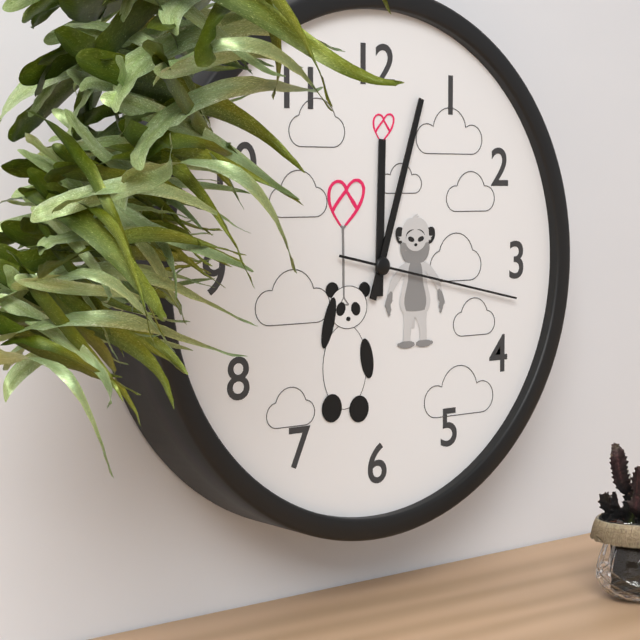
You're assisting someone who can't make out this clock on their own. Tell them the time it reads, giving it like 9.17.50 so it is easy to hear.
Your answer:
12.03.17
